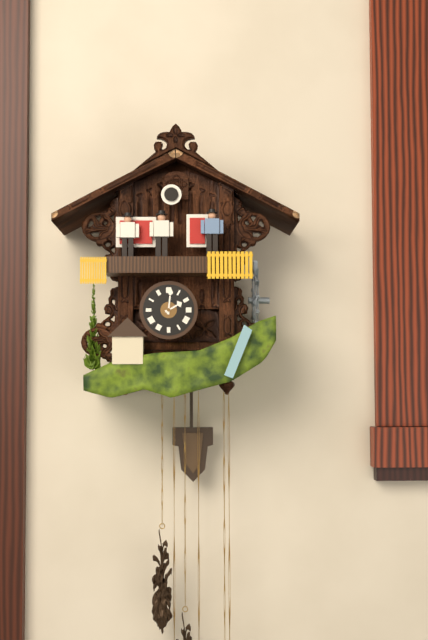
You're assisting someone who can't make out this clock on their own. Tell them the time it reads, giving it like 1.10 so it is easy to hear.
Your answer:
2.01
